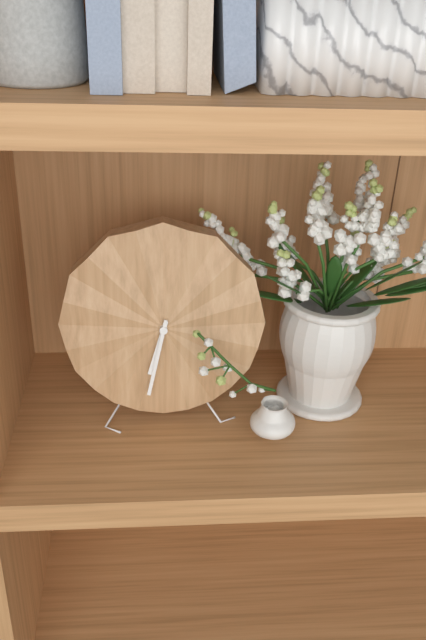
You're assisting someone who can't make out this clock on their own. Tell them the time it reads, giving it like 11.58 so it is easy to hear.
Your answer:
6.32
